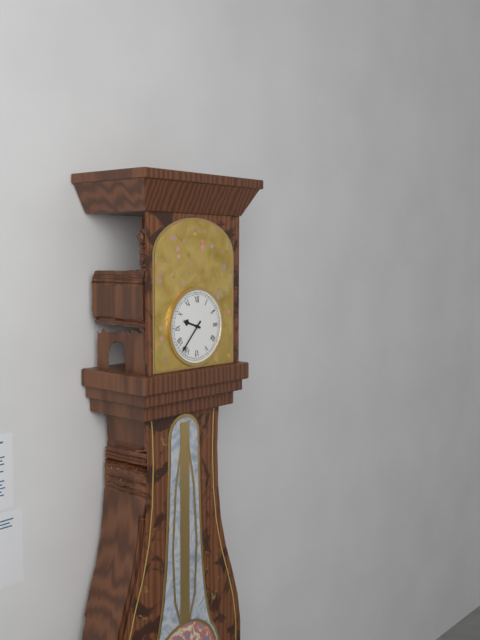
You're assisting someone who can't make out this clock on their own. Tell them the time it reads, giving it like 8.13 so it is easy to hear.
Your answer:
9.37
